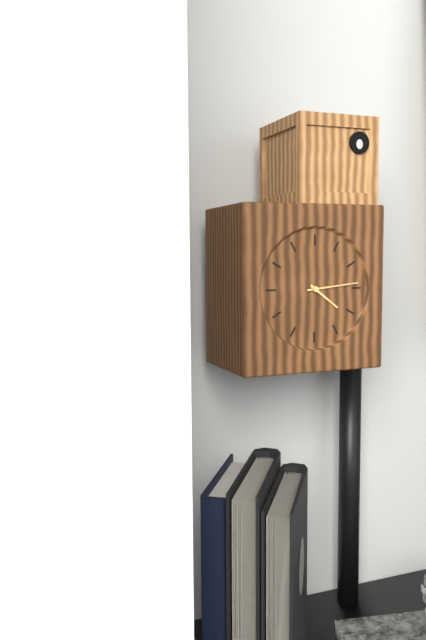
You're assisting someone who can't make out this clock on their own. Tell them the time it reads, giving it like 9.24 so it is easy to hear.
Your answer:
4.14
